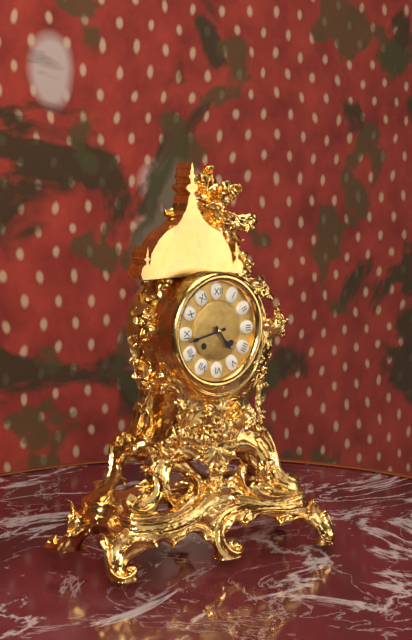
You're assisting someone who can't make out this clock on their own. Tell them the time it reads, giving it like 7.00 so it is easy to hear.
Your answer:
4.43
